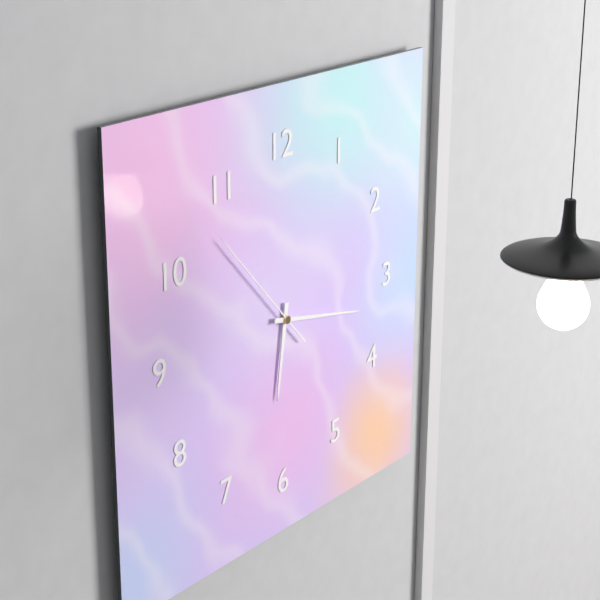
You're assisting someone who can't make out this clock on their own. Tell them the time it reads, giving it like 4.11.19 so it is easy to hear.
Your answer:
6.17.53
